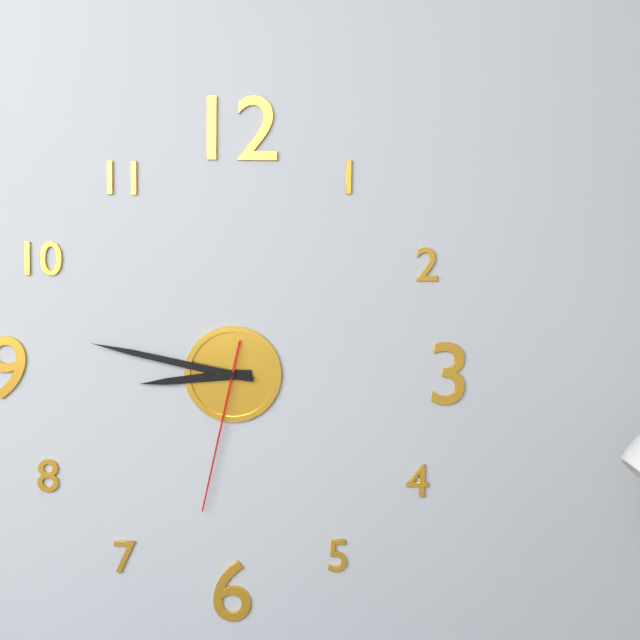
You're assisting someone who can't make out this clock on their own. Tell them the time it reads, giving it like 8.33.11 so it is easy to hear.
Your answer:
8.47.32
